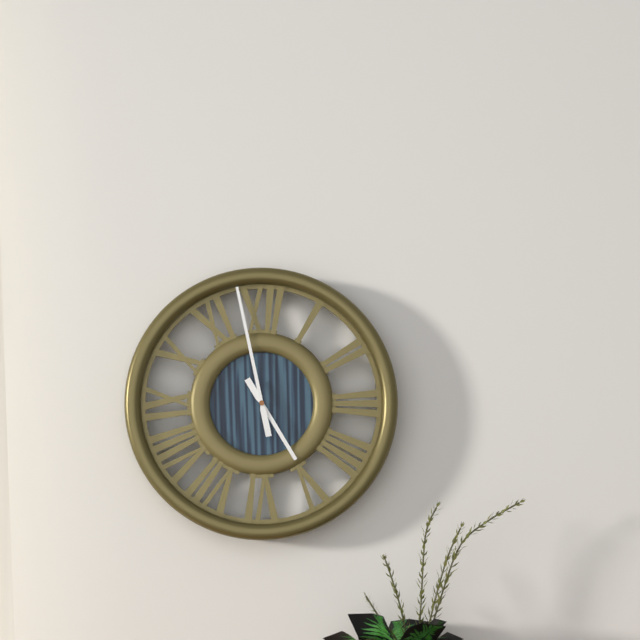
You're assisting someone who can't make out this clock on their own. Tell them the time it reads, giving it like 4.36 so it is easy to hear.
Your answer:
4.58
